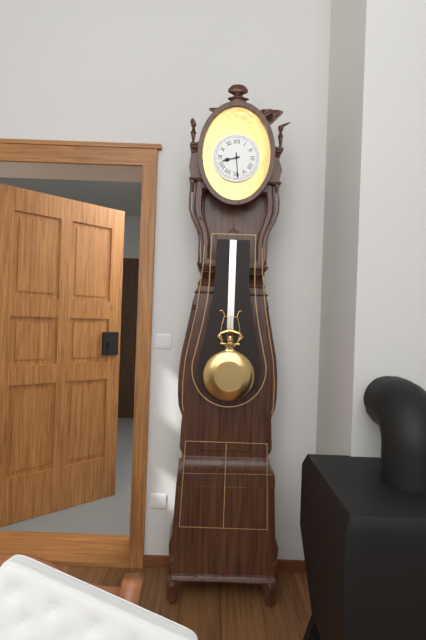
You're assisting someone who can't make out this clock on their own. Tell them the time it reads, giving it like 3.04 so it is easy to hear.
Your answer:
8.29
